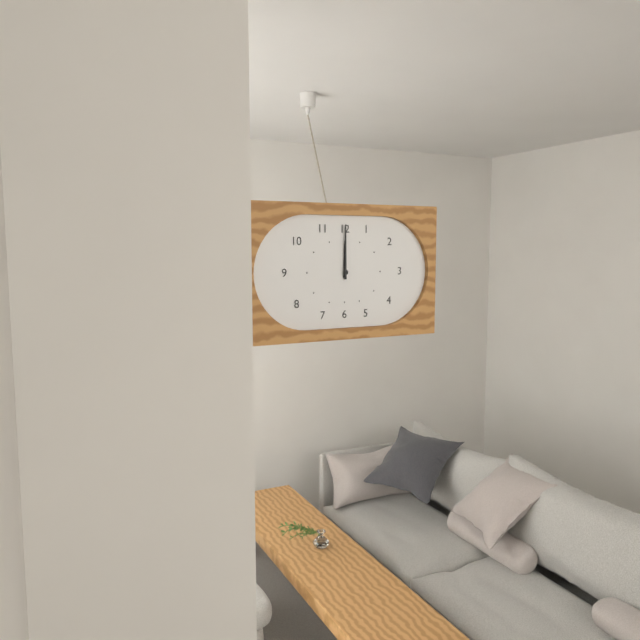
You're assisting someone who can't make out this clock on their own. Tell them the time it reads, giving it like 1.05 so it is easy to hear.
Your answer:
12.00
